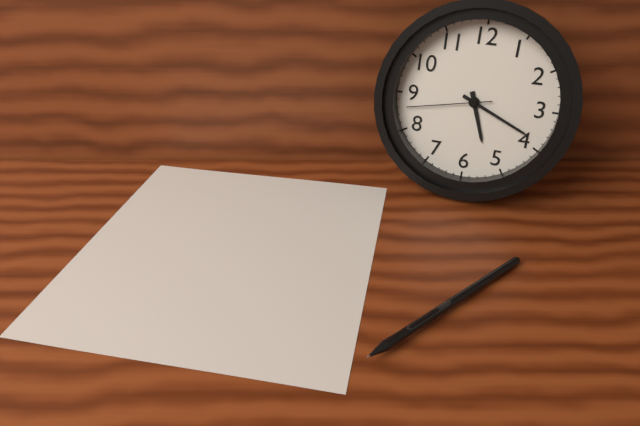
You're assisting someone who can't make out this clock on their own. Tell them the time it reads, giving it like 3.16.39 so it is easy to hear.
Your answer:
5.19.43
